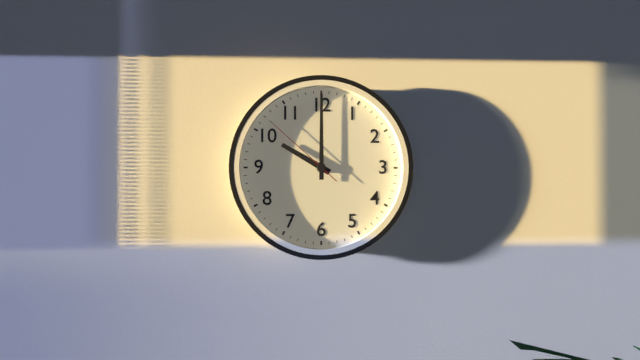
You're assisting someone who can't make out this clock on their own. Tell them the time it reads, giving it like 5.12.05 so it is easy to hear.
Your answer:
10.00.52
